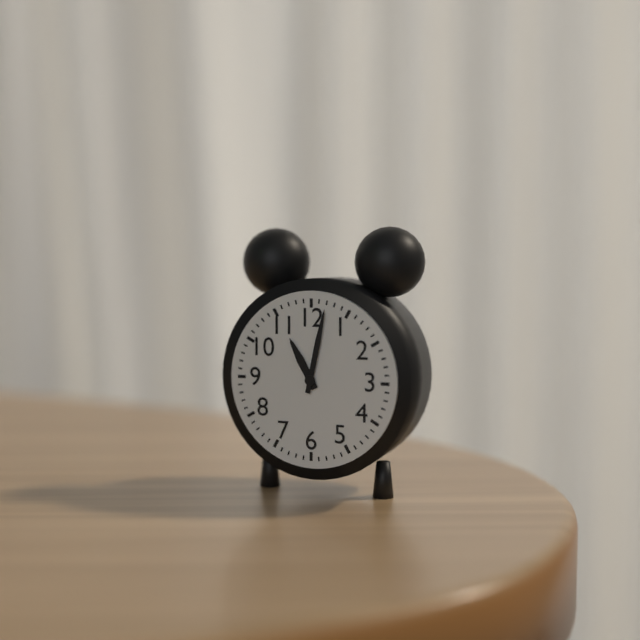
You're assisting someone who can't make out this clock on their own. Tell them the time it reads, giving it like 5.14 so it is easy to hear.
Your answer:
11.02
